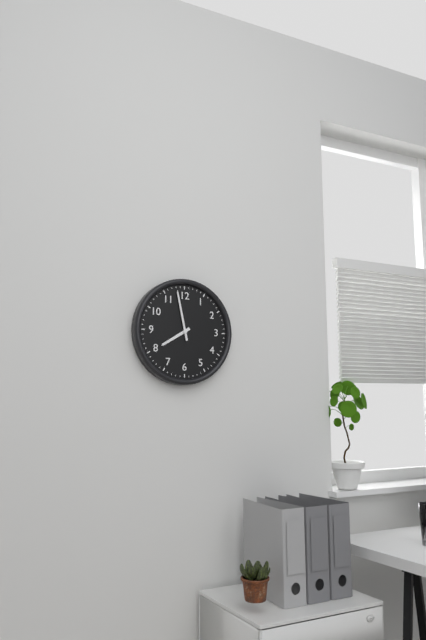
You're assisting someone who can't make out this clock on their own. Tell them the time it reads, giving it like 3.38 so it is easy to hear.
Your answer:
7.58
